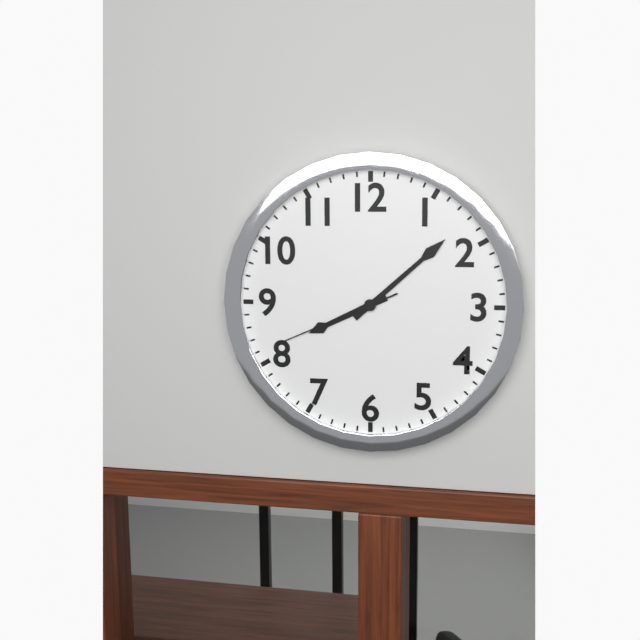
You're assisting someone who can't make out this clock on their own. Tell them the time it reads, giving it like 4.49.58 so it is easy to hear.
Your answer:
8.08.41
